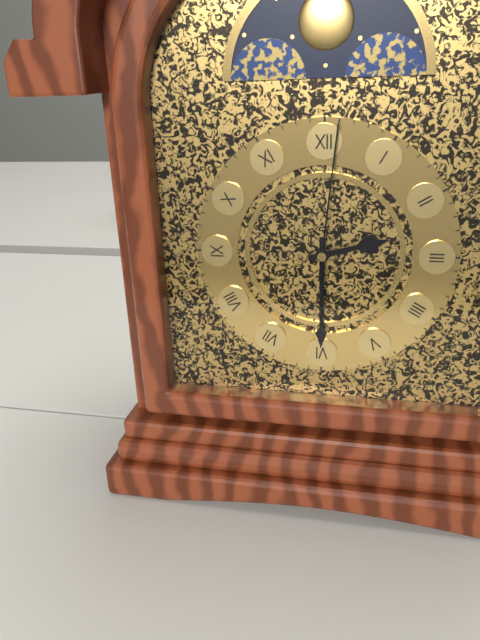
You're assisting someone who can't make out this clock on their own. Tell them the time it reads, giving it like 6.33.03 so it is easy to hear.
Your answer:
2.30.01
